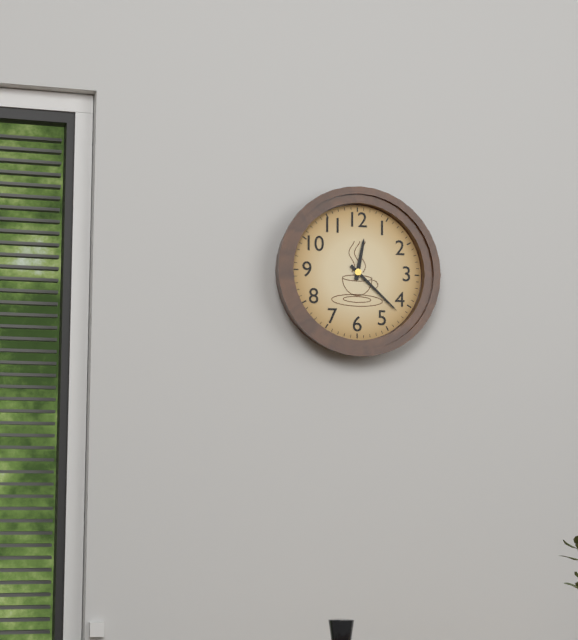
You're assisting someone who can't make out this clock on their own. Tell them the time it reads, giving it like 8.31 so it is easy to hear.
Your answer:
12.22
